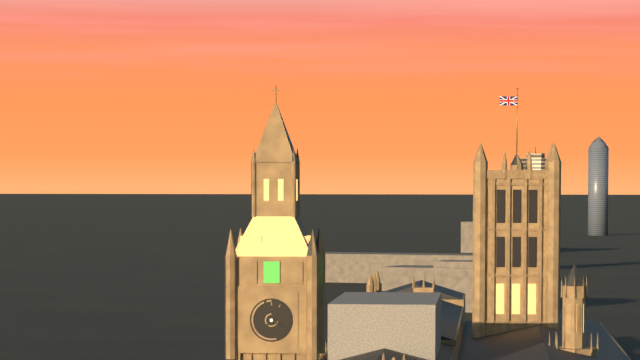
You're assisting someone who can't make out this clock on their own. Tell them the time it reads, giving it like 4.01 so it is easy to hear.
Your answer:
7.20
